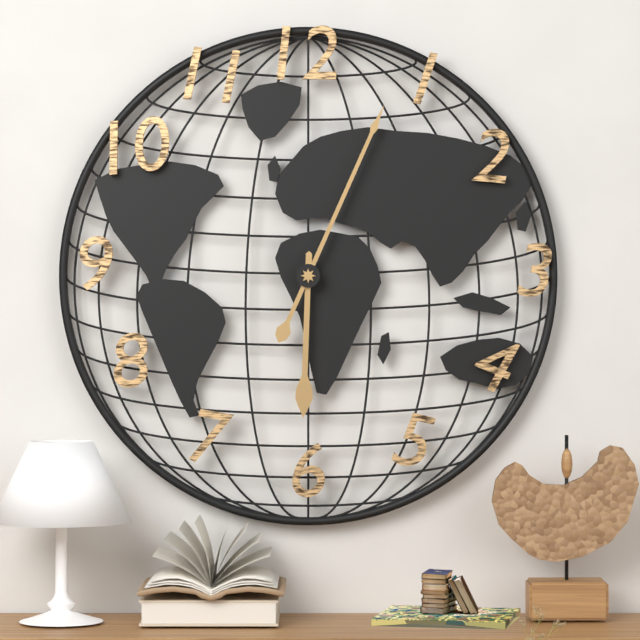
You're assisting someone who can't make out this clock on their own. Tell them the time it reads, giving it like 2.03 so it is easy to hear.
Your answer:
6.04
